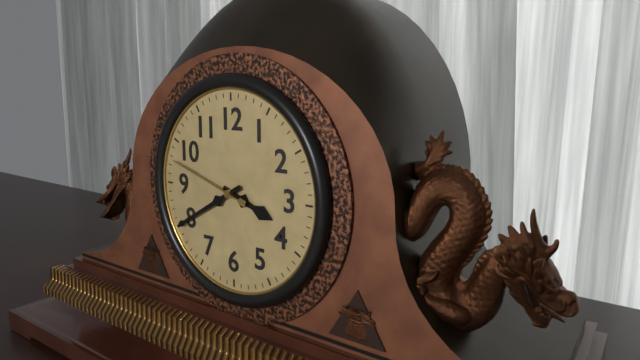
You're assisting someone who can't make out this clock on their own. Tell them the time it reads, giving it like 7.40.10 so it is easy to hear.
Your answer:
3.40.48
